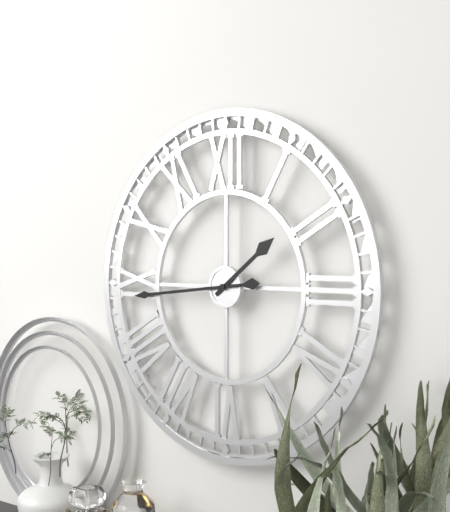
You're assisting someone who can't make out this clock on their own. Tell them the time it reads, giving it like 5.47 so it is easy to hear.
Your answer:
1.44
